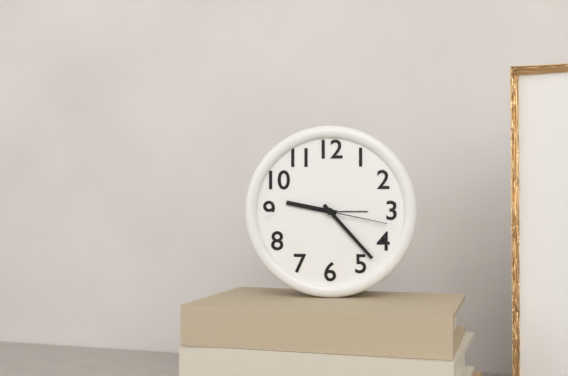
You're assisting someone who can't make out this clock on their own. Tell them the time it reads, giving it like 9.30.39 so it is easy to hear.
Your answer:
9.23.17
